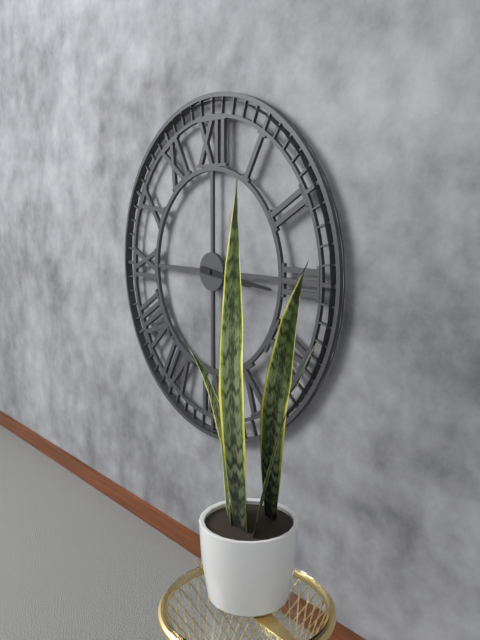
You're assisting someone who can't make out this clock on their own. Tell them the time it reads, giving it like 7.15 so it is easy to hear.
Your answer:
3.16
